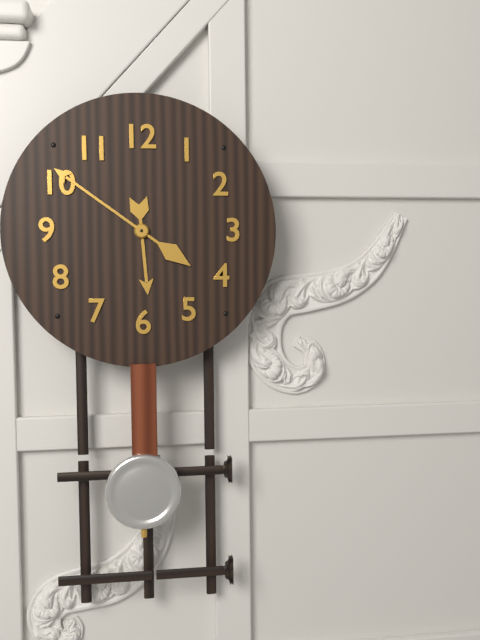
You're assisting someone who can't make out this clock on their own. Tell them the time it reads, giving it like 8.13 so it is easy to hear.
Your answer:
5.51
